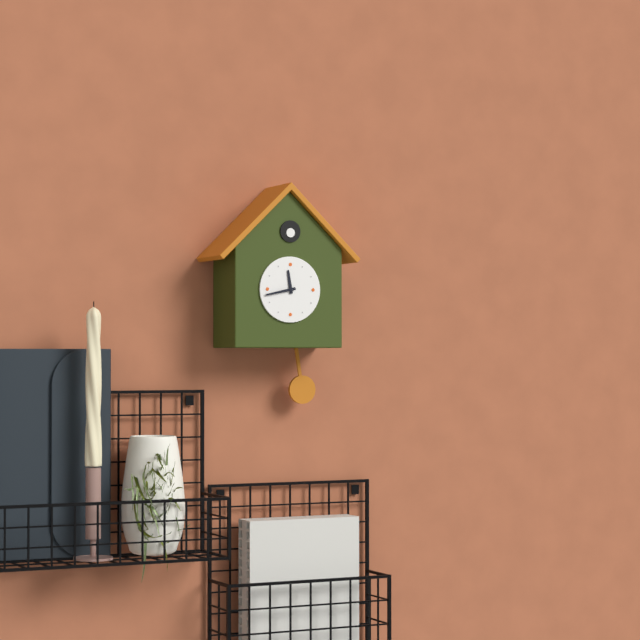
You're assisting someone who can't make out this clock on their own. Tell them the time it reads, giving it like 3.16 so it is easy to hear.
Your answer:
11.43
